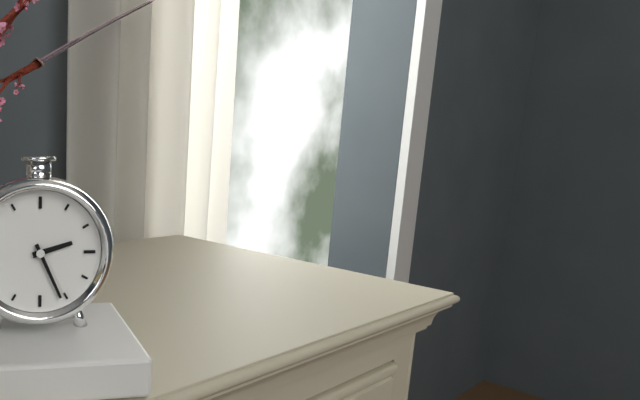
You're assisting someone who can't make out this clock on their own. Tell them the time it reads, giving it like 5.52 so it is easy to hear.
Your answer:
2.26
